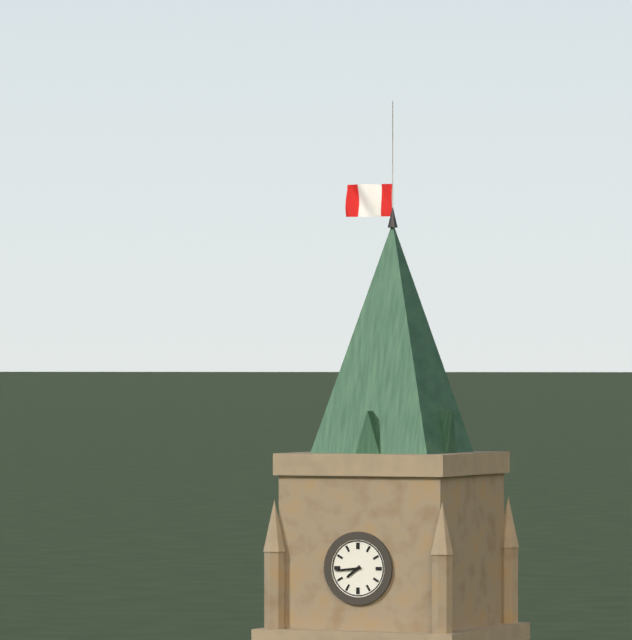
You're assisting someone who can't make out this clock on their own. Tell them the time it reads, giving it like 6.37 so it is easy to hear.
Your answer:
7.44
